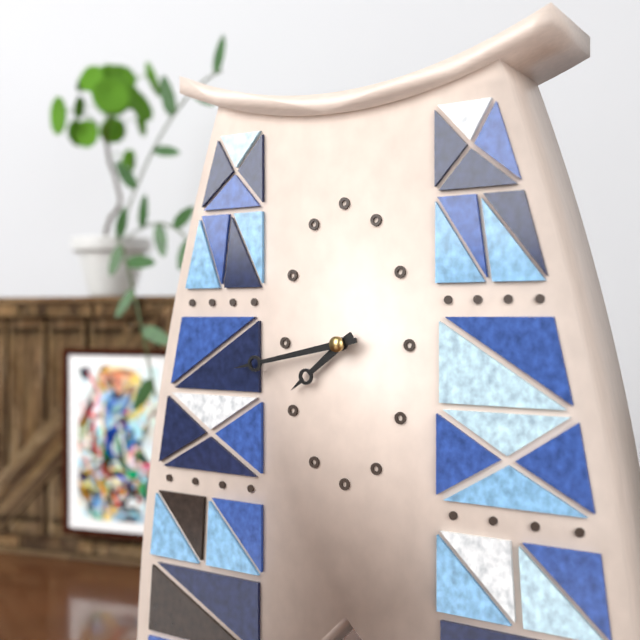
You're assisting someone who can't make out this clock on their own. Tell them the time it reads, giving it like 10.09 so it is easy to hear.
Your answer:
7.43
